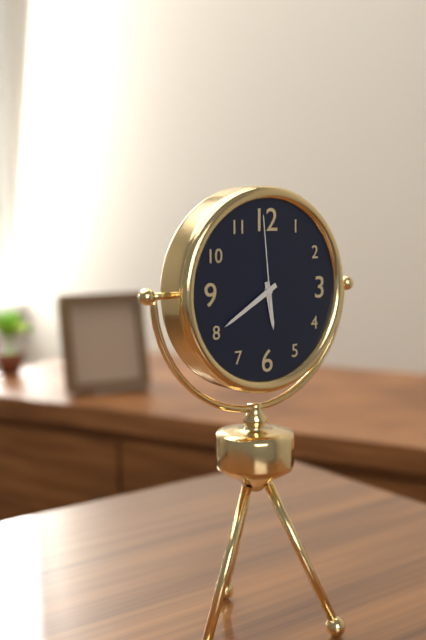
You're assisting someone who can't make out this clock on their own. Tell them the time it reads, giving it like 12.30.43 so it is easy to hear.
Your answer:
5.40.59
